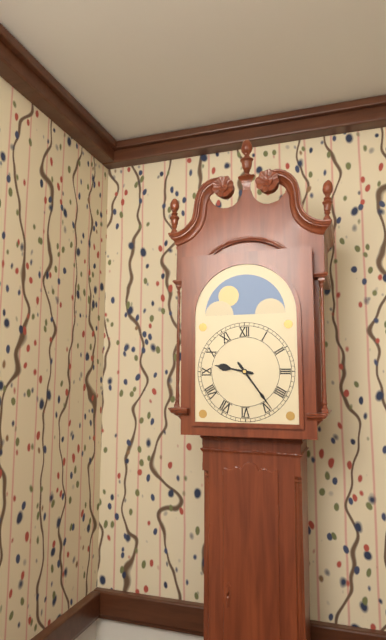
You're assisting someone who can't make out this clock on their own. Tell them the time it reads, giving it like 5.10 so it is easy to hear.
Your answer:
9.24
